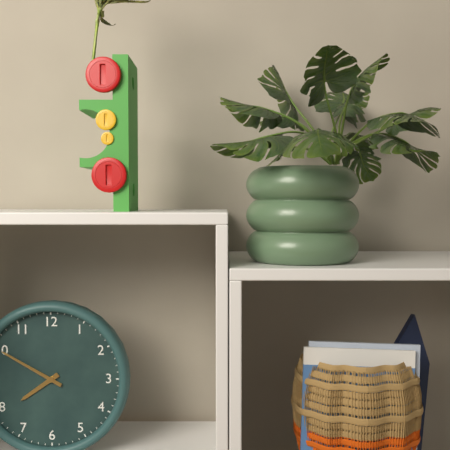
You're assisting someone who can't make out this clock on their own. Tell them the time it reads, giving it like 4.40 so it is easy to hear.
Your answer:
7.50
